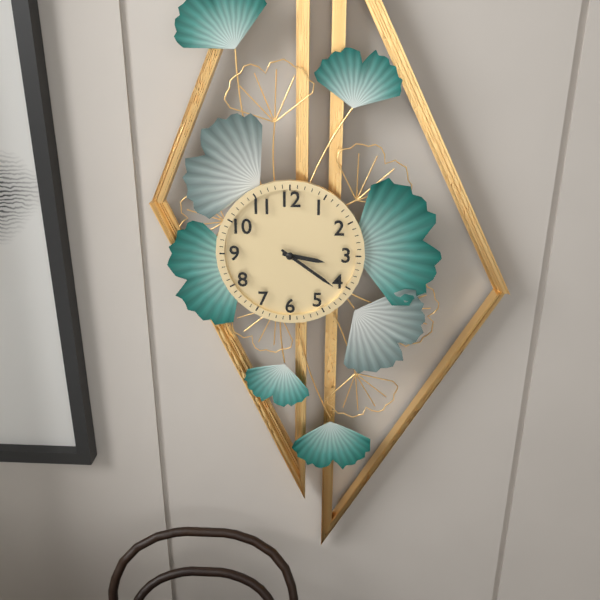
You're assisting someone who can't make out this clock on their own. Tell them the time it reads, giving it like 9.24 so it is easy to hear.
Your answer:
3.21
